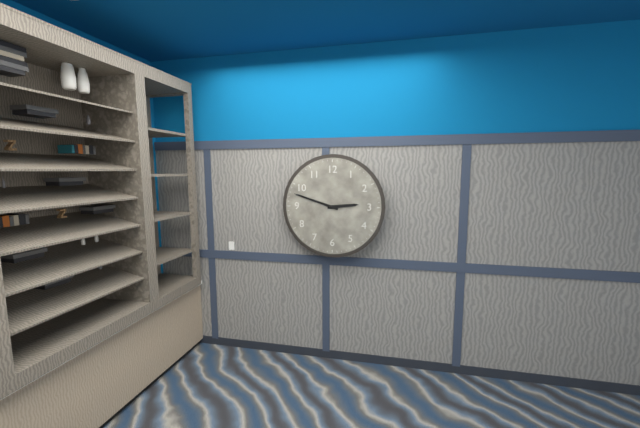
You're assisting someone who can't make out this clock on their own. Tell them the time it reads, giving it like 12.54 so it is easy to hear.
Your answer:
2.48
